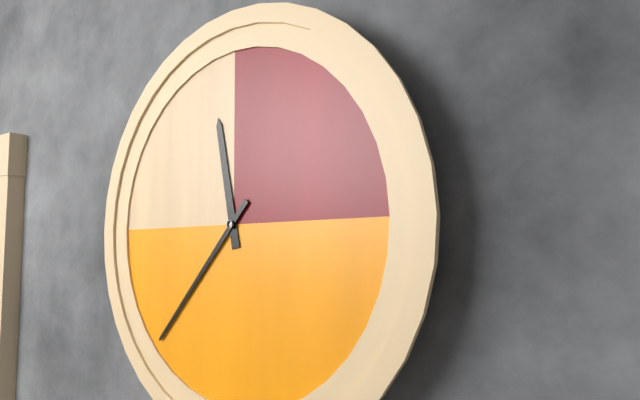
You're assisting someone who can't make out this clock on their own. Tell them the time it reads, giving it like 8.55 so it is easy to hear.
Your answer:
11.37
